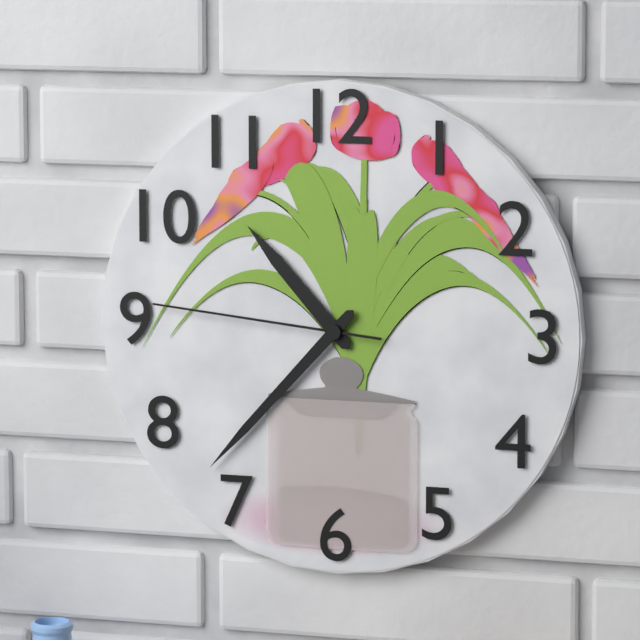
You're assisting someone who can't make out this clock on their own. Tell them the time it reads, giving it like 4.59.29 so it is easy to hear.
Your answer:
10.37.46
